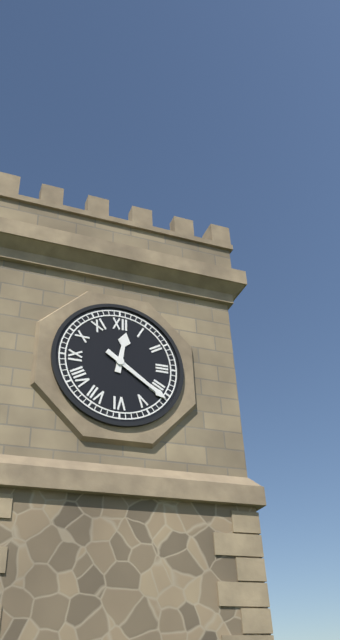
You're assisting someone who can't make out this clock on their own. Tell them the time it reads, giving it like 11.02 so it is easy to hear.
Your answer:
12.21
